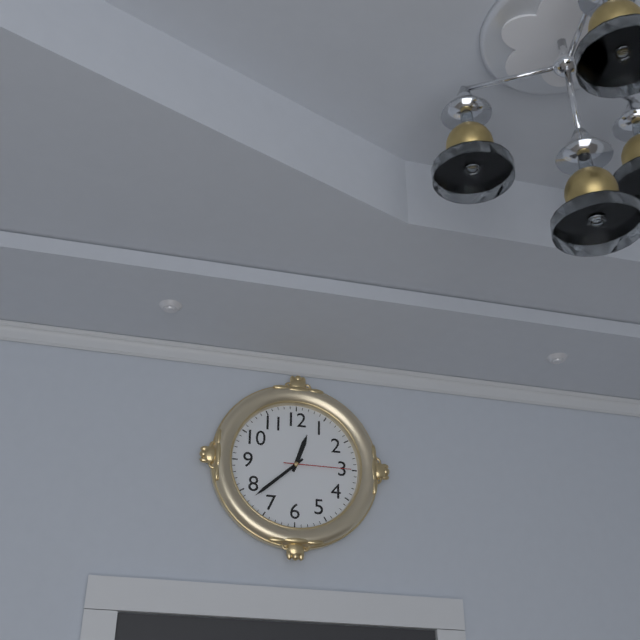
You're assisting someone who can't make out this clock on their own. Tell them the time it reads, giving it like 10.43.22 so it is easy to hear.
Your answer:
12.38.15
